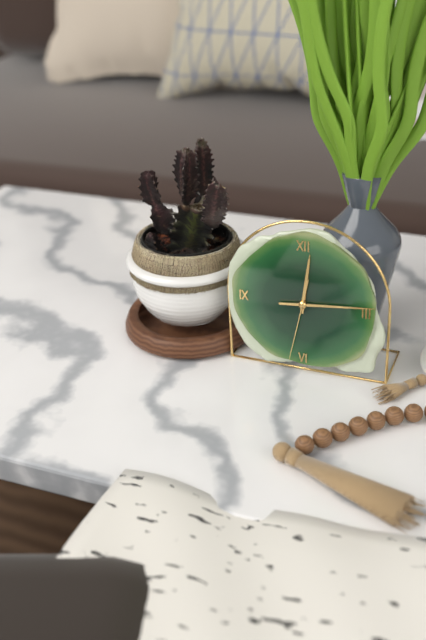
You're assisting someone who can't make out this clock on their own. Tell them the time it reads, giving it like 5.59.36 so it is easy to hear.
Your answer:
12.14.32
